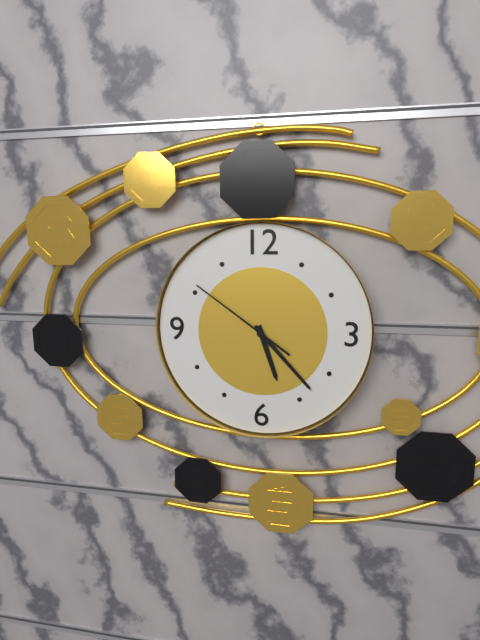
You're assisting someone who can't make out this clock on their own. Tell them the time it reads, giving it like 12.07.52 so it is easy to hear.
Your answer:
5.23.51
